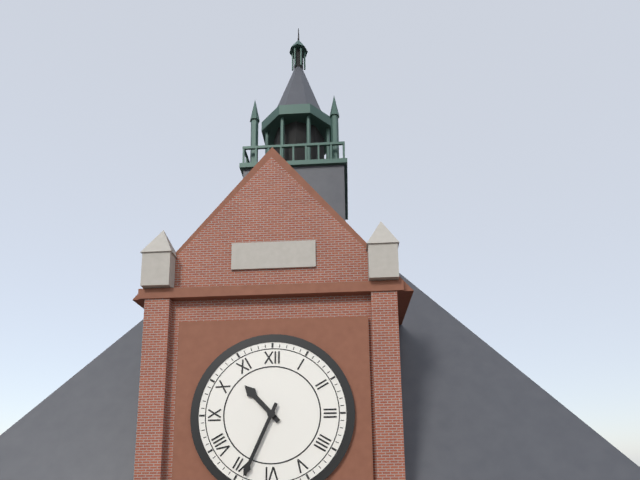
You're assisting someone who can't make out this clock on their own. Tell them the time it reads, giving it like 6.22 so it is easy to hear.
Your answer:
10.34
